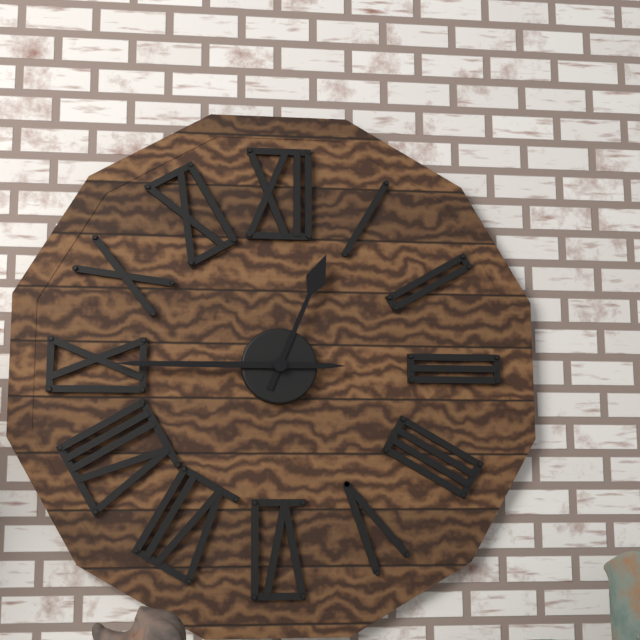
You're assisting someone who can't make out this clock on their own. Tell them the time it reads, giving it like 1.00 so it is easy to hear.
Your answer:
12.45
